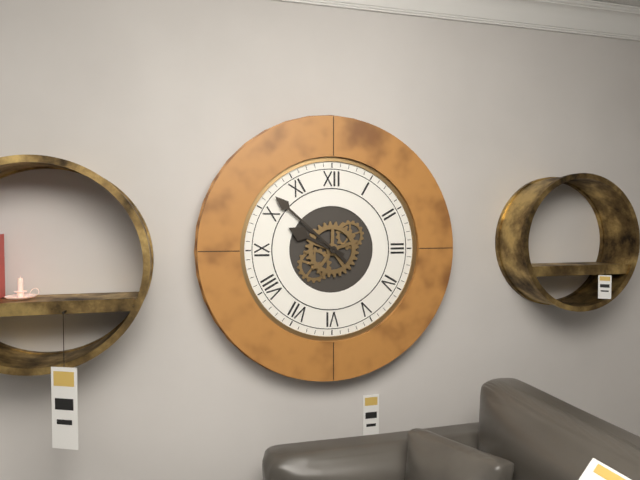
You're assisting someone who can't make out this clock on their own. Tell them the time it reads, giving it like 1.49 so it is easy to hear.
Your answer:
9.52
